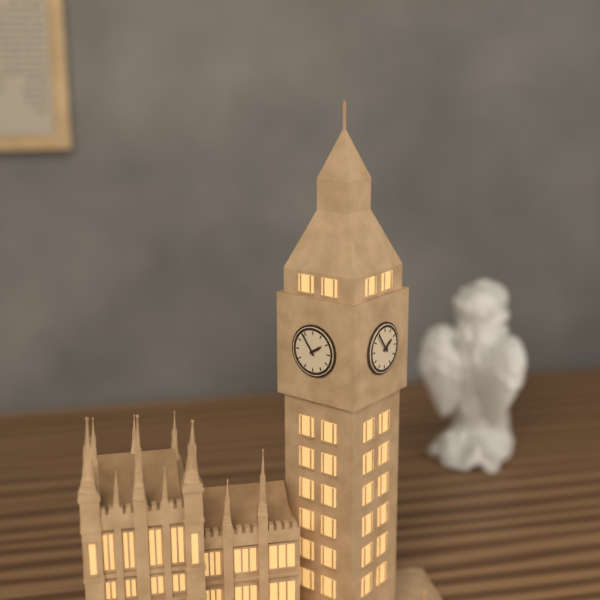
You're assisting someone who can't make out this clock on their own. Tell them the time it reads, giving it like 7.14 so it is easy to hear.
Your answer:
1.54
